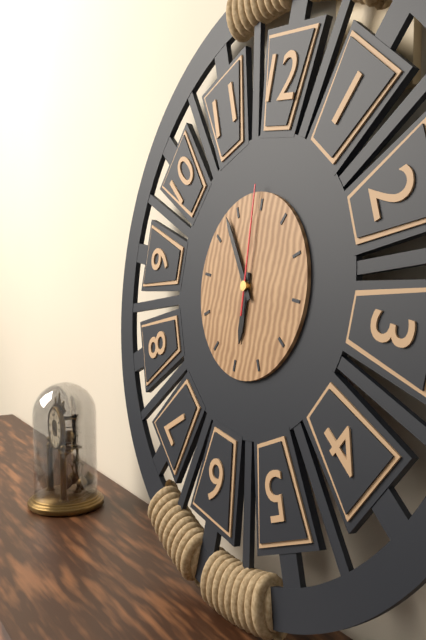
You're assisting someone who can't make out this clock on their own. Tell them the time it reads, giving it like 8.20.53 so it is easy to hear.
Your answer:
5.53.59
